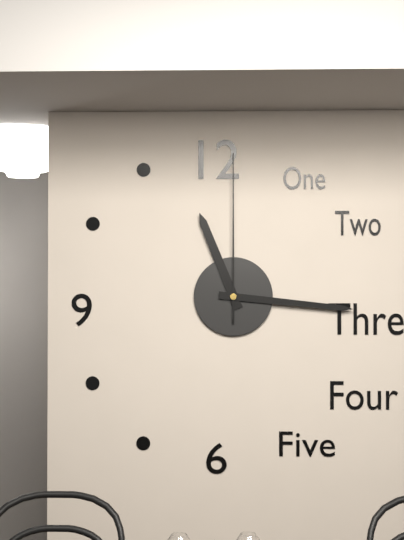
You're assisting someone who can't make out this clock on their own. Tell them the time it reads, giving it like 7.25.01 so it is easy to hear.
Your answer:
11.16.00
